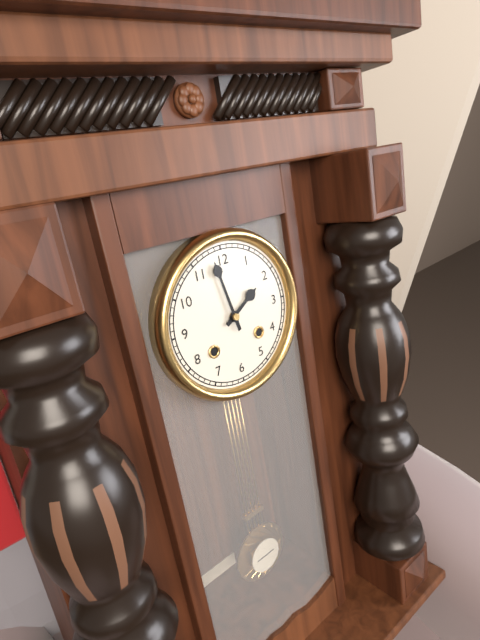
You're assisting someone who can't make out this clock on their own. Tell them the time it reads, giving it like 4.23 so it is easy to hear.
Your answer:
1.58
